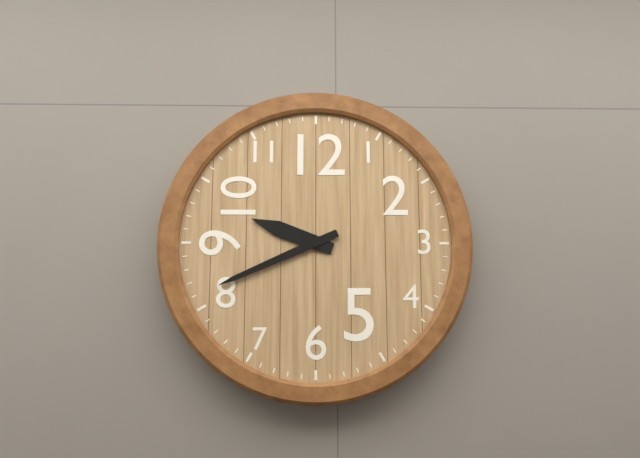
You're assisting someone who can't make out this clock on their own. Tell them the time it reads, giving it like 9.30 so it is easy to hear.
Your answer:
9.41
